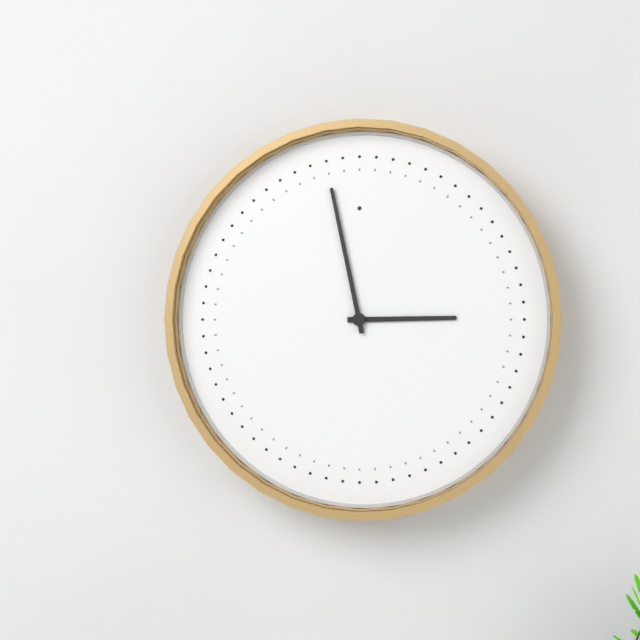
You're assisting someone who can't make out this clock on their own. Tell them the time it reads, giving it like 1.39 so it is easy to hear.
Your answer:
2.58
